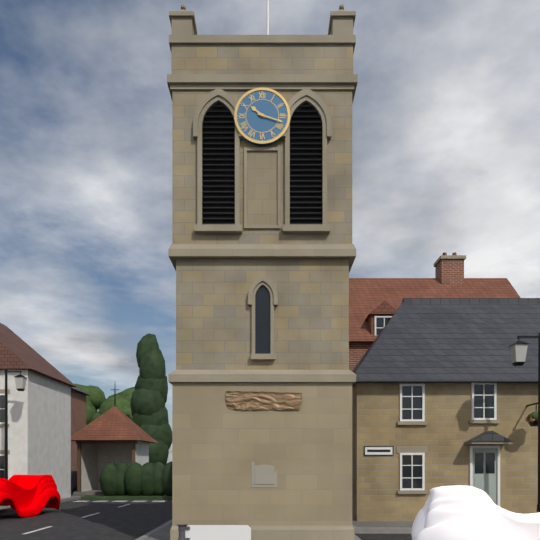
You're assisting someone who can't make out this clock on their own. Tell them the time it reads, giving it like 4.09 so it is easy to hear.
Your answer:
10.18
